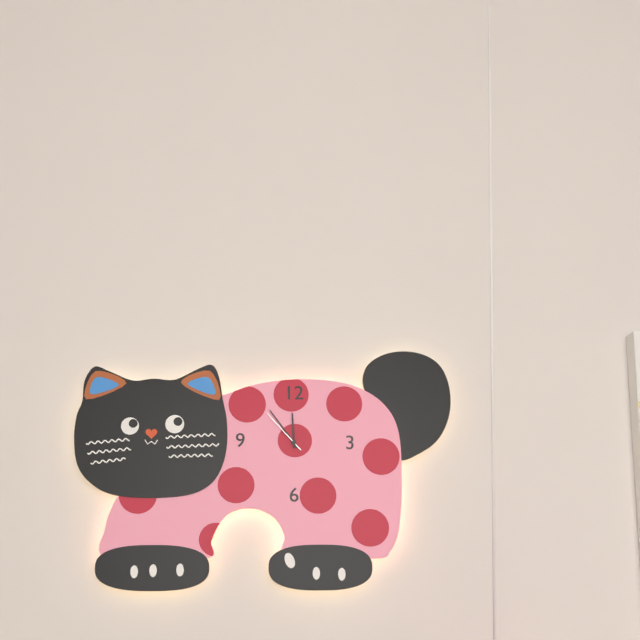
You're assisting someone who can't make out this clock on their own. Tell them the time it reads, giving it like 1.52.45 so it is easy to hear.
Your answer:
11.54.53
